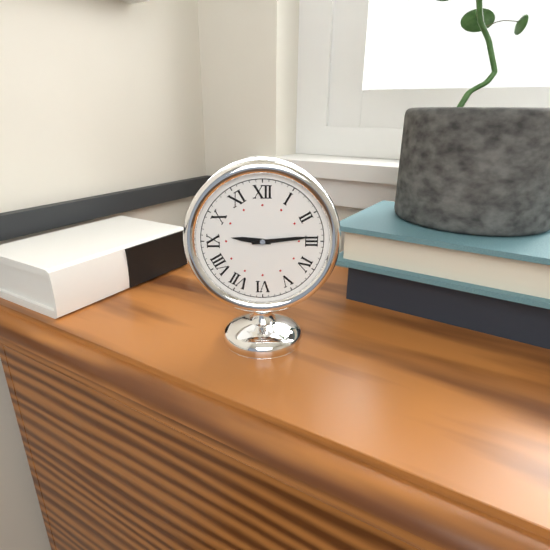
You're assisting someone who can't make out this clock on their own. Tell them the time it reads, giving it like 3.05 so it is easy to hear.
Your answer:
9.14
